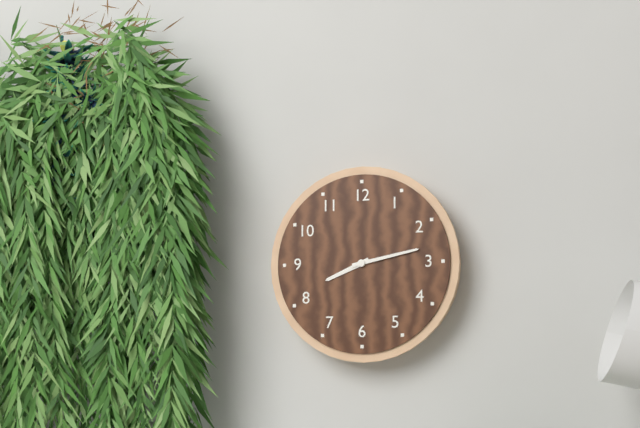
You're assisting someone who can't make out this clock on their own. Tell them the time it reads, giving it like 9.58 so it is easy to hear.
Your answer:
8.13
